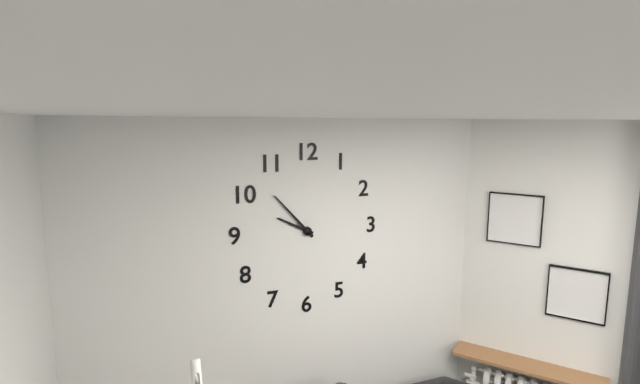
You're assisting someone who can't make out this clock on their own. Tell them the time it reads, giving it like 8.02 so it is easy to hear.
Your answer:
9.53
